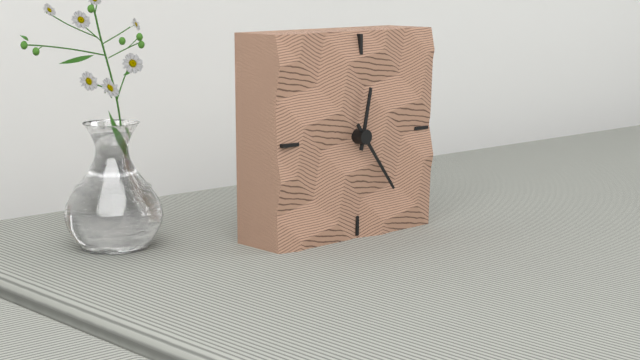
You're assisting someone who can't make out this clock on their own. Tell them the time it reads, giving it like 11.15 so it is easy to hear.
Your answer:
12.24
